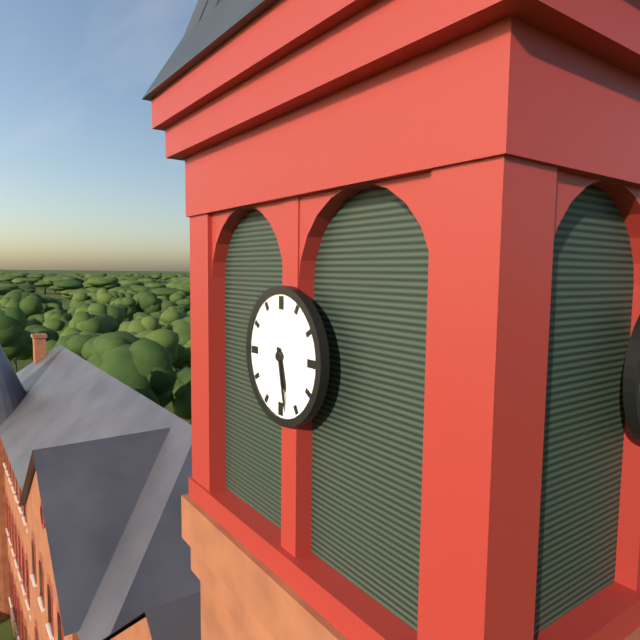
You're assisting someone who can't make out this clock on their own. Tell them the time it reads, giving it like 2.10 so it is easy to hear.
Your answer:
5.28
